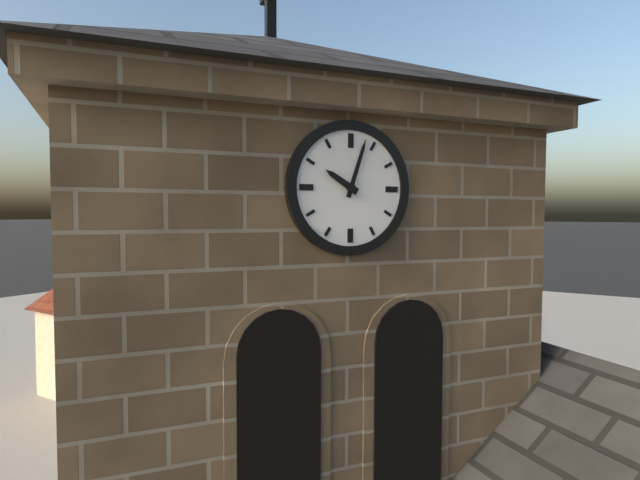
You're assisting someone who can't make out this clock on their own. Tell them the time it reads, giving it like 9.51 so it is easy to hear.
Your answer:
10.03
